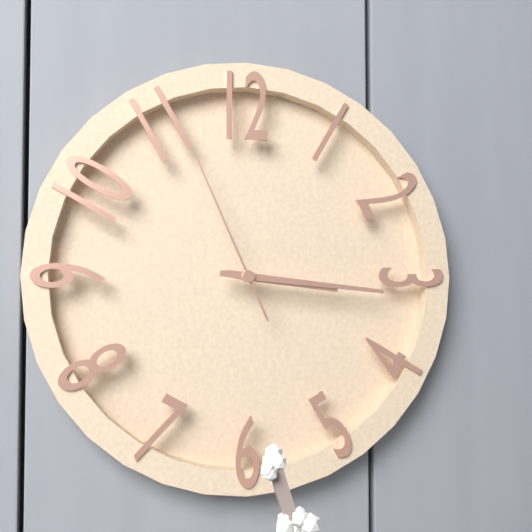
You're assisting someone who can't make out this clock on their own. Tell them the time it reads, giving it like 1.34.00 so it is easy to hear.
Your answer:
3.16.56
